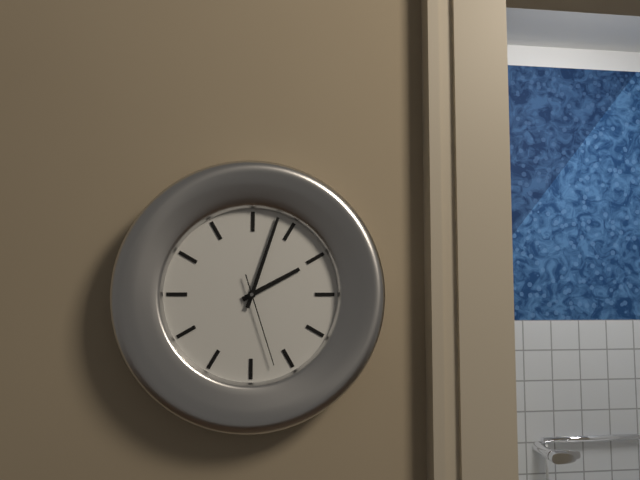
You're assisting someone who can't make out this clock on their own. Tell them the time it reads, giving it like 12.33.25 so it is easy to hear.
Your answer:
2.03.27
